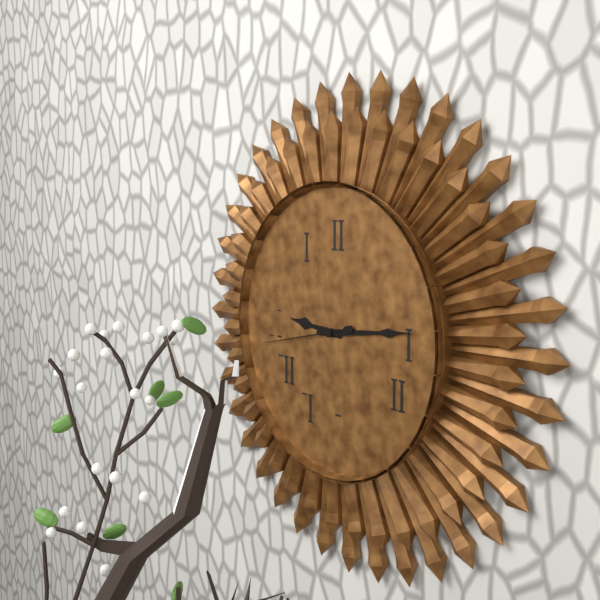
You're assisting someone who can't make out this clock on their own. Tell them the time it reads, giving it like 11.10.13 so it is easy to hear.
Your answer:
9.14.43
